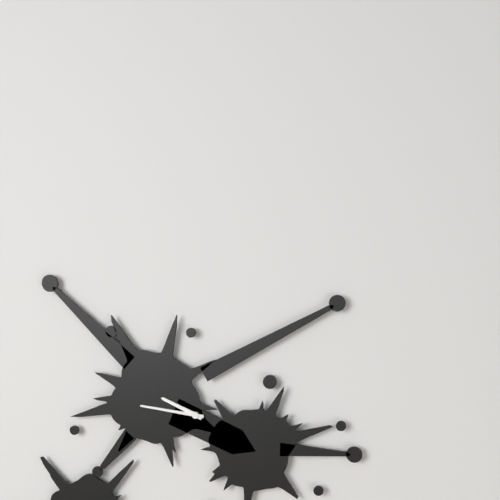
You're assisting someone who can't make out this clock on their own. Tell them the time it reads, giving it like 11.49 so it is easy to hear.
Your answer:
9.46
